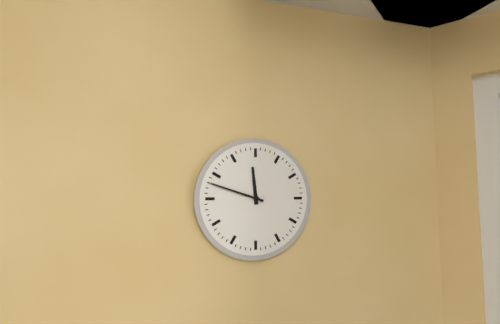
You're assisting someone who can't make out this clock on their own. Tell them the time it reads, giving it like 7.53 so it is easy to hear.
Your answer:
11.48
